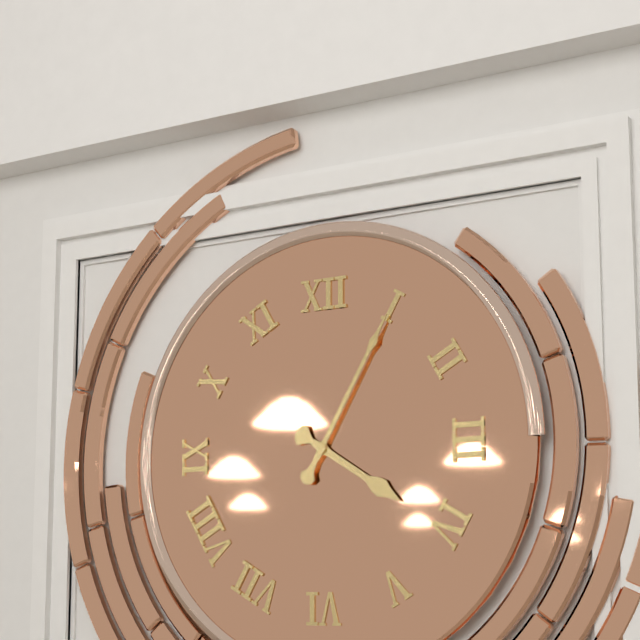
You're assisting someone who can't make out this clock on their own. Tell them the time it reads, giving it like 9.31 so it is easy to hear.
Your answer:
4.05
